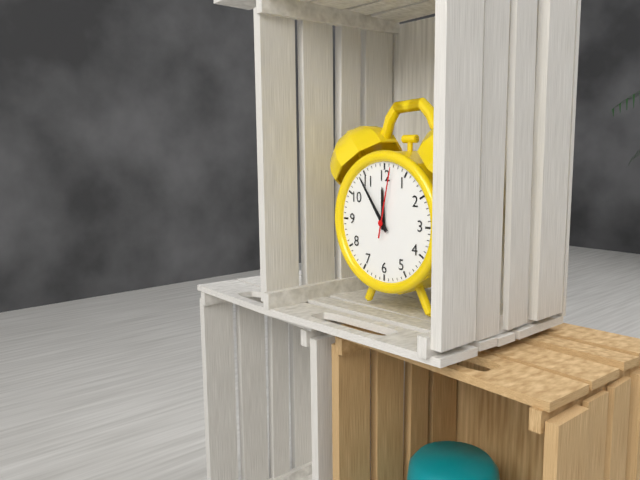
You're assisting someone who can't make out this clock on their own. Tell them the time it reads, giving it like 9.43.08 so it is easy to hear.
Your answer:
11.54.02
